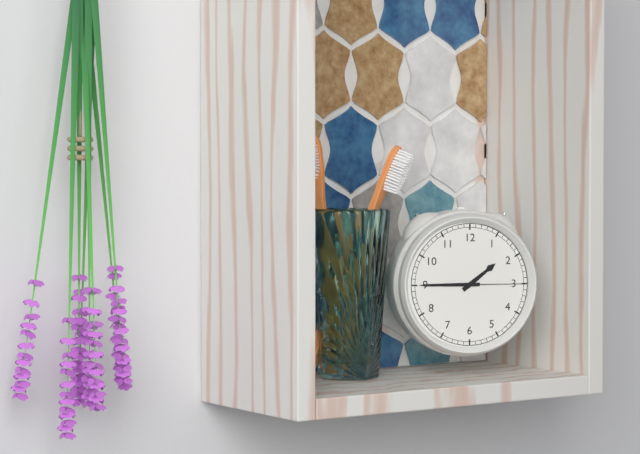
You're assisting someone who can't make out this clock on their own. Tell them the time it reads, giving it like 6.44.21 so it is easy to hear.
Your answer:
1.45.15
